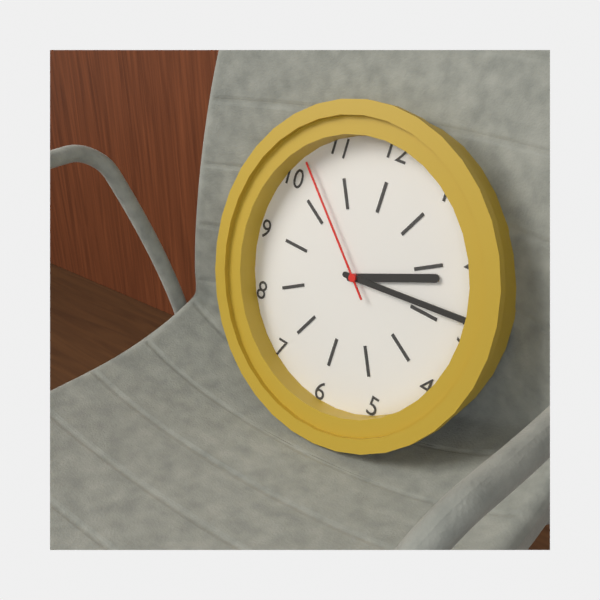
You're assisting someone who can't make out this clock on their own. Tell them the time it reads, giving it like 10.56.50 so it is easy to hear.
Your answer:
2.14.52
